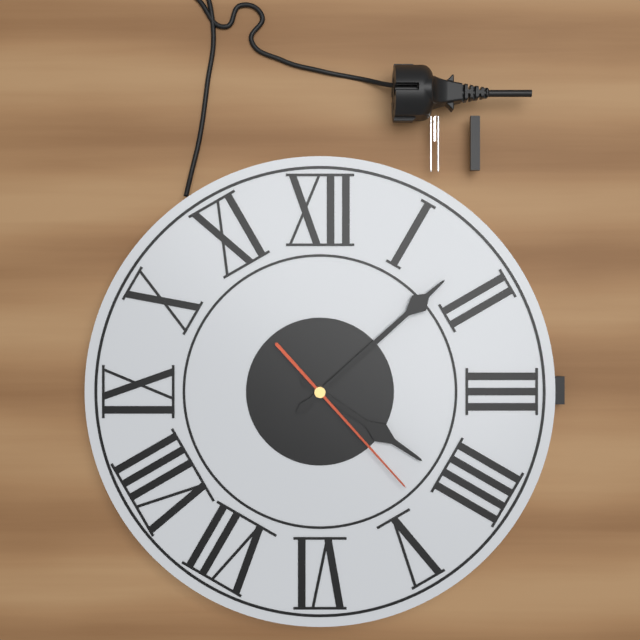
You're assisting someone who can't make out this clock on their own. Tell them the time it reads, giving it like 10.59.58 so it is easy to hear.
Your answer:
4.08.23
